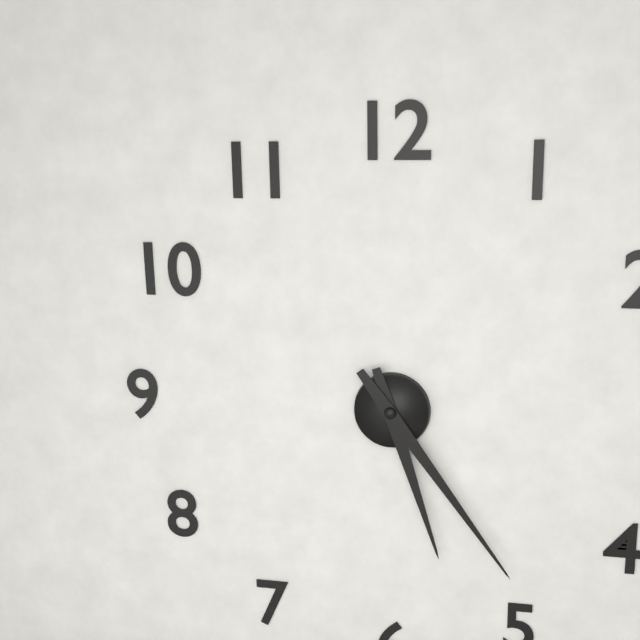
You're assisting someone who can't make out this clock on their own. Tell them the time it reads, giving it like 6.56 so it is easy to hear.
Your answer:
5.24
